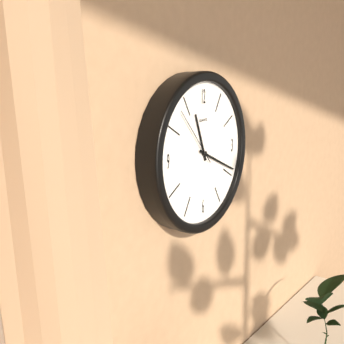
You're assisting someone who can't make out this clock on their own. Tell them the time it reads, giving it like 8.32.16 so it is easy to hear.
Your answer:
11.19.53
